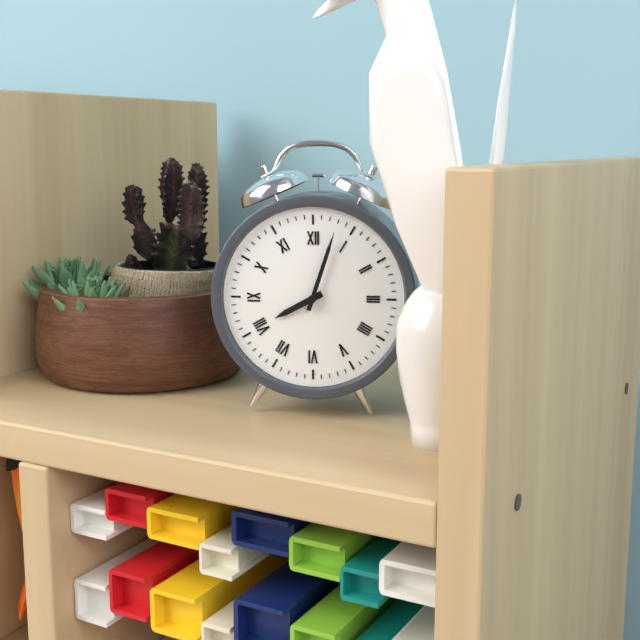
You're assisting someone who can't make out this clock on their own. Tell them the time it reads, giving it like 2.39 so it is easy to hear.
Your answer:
8.03
